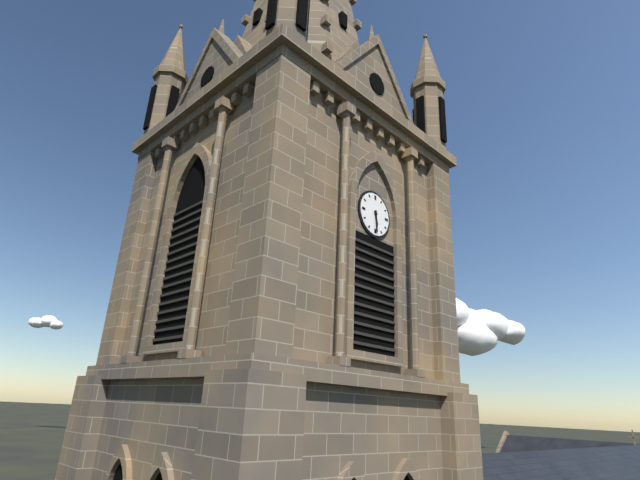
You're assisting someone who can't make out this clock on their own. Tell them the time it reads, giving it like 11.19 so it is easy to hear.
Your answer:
5.29
